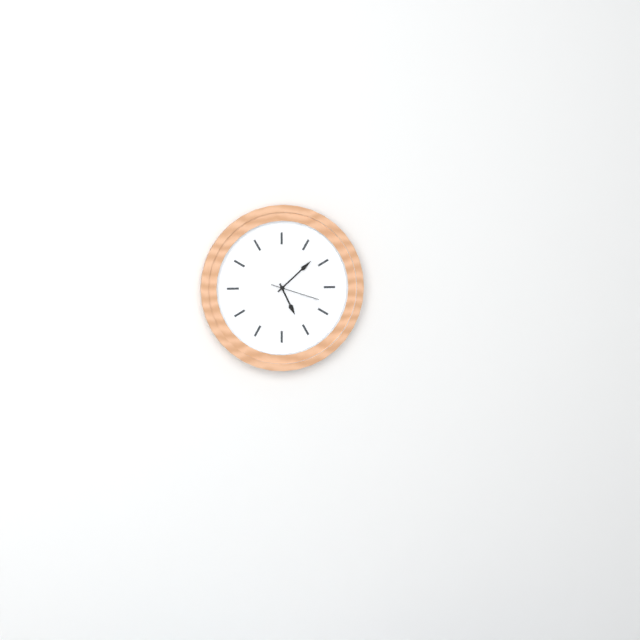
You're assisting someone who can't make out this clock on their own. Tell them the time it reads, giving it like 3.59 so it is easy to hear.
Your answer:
5.08
